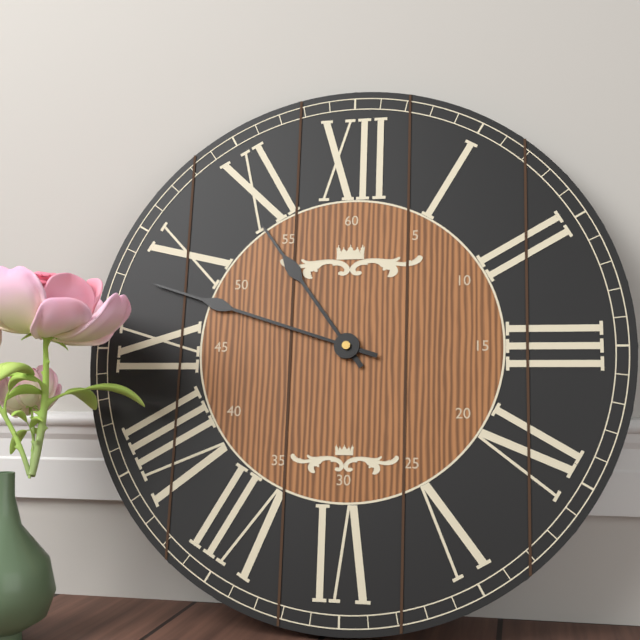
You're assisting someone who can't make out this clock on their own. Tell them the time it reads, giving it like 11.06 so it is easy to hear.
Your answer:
10.48
